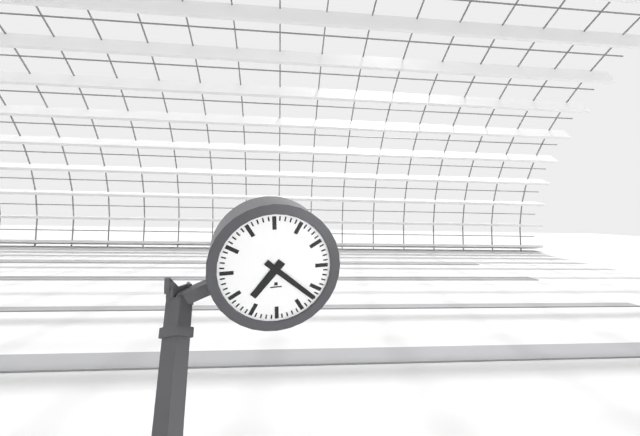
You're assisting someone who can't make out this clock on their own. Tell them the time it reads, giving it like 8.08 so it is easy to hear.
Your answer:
7.22
